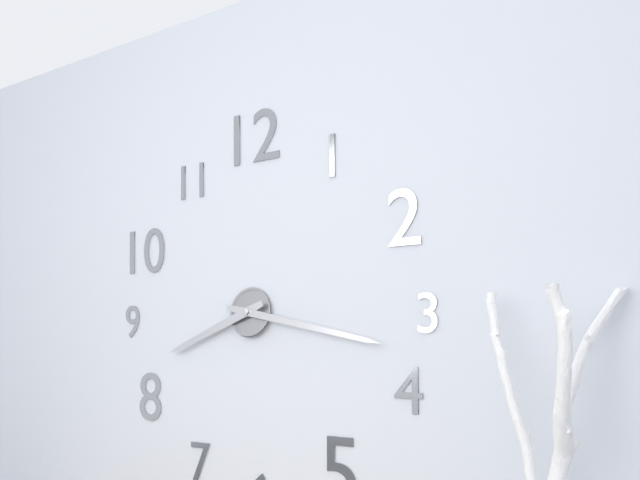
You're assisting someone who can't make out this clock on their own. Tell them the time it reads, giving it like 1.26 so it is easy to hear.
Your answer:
8.17
